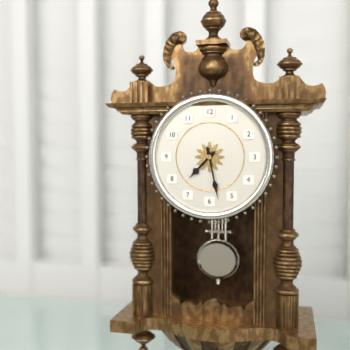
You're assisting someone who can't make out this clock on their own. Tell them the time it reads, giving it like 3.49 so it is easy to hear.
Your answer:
7.28
